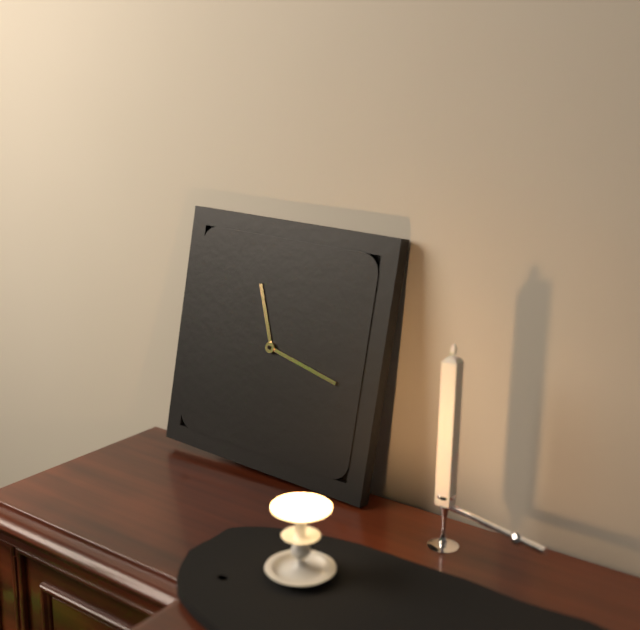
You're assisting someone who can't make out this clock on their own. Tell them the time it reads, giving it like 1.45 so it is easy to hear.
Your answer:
11.17
